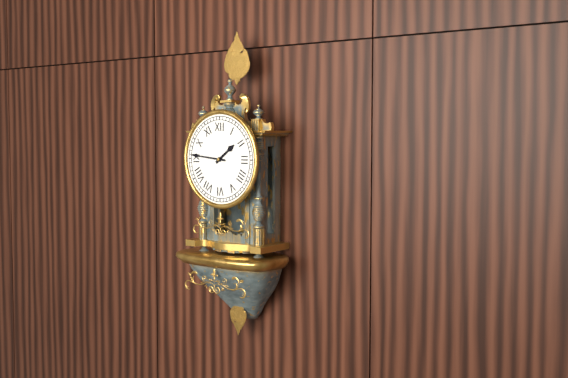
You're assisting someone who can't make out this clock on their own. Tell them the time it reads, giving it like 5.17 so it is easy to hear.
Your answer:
1.46
